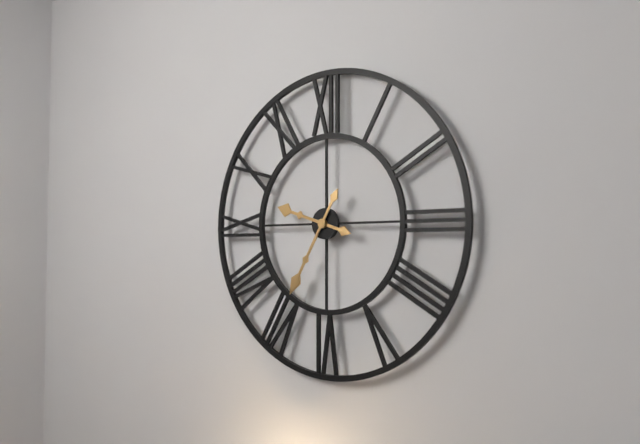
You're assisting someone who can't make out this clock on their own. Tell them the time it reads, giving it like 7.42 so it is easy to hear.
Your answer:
9.35
